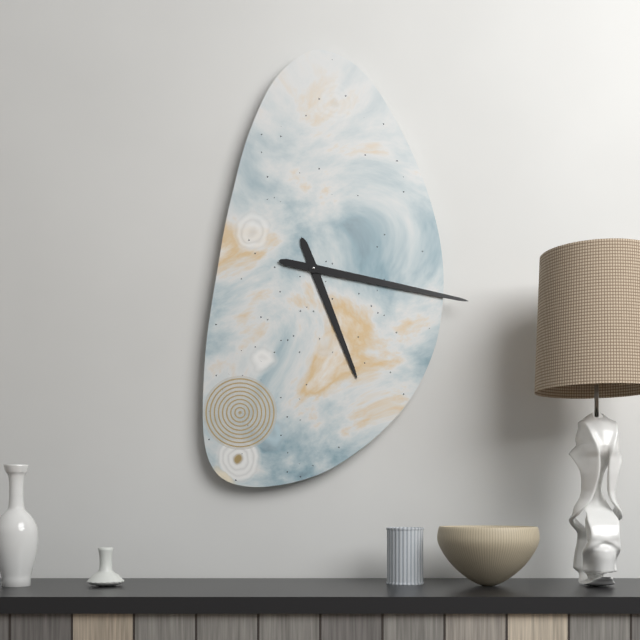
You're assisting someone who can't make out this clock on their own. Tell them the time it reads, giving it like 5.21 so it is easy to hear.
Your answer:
5.17
